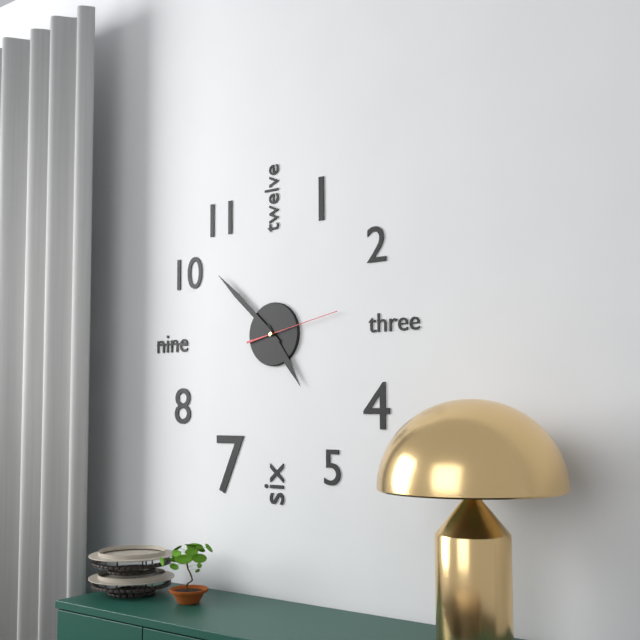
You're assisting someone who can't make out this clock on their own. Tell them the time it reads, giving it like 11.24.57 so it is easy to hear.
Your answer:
4.52.13
